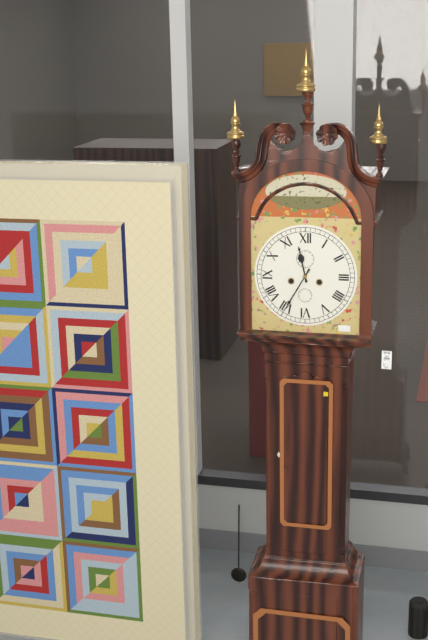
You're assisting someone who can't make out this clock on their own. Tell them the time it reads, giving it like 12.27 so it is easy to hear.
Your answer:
11.35
